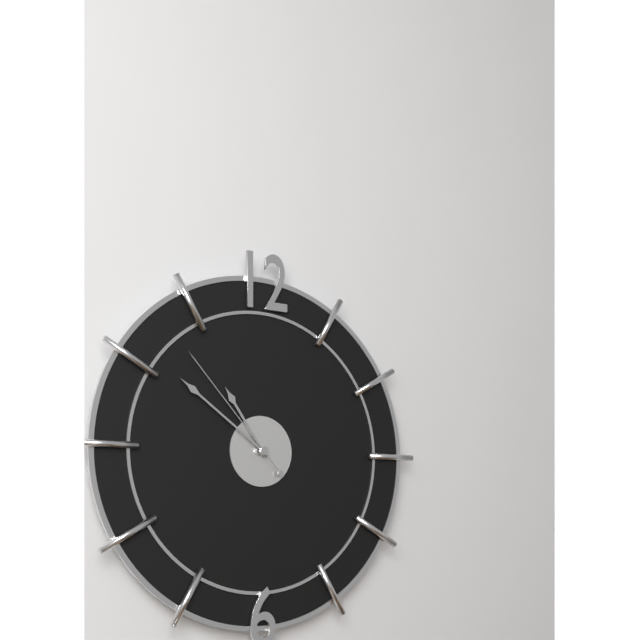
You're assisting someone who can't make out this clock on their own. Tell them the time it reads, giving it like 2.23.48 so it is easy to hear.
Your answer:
10.51.53
